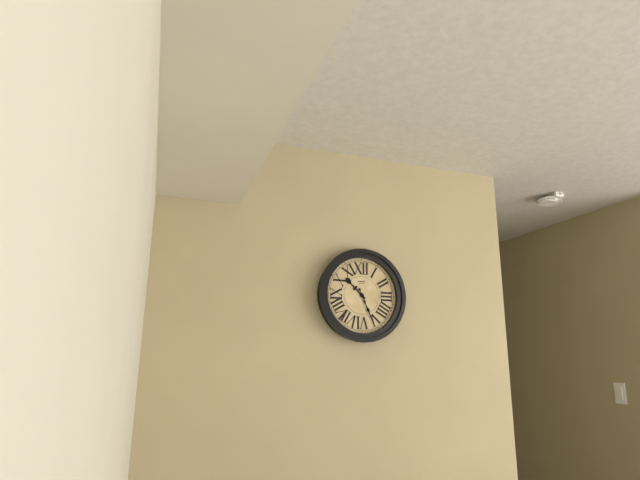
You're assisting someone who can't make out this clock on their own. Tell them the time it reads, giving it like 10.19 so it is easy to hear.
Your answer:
10.26
